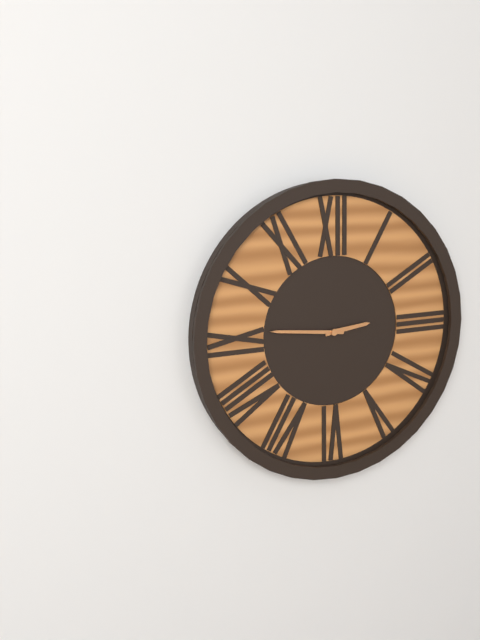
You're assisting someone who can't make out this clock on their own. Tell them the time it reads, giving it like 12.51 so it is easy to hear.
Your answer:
2.46
